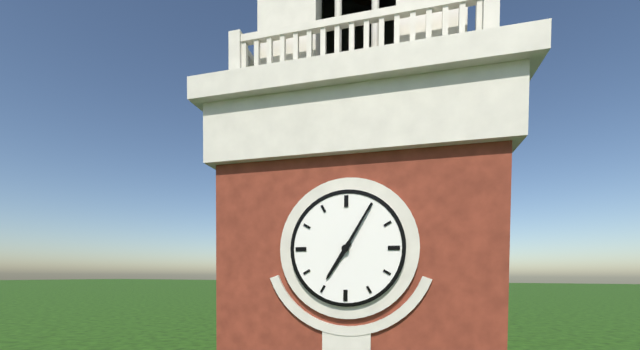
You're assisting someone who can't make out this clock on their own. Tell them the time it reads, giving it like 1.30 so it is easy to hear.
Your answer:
7.05
